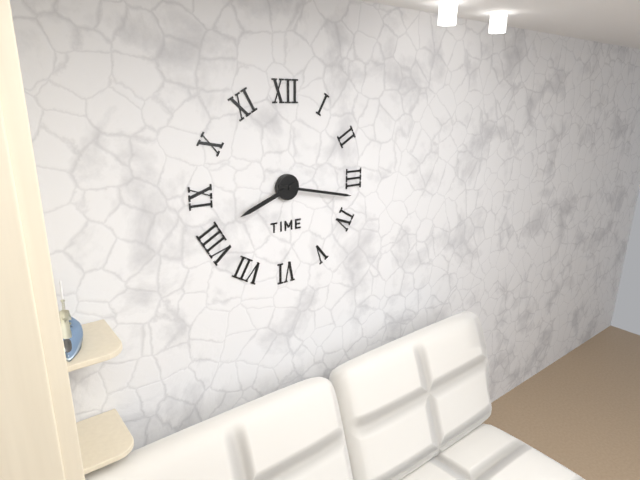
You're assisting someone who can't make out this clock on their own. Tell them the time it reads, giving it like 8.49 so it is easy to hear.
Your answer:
8.17
